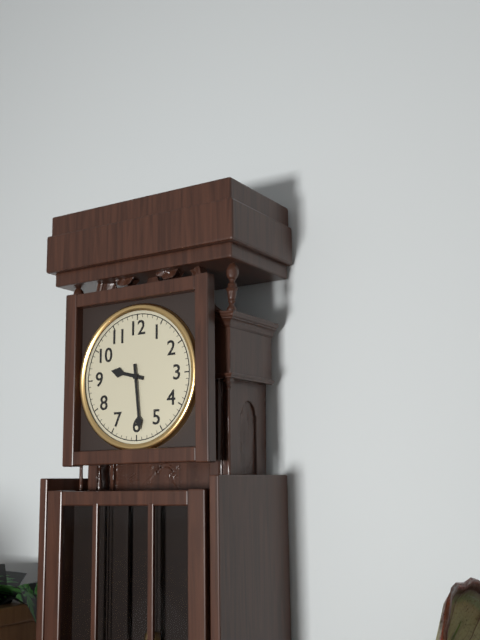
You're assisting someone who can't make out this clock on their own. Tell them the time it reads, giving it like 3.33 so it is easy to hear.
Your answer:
9.29
